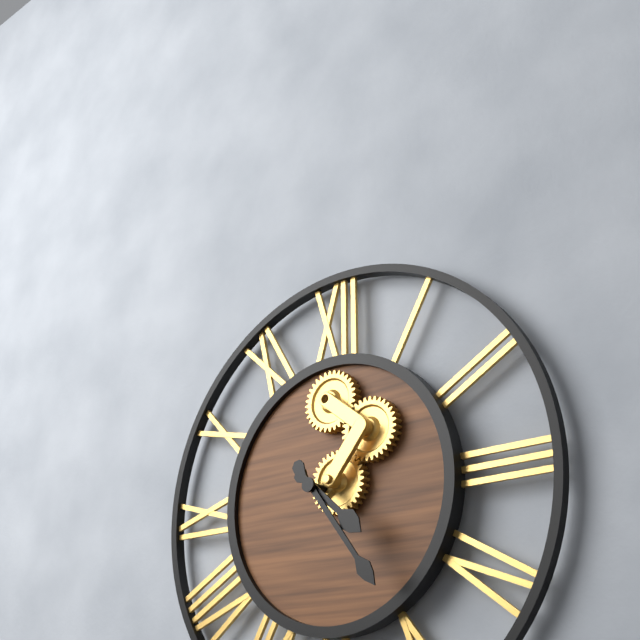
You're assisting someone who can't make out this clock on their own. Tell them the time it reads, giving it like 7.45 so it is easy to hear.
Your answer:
4.24
